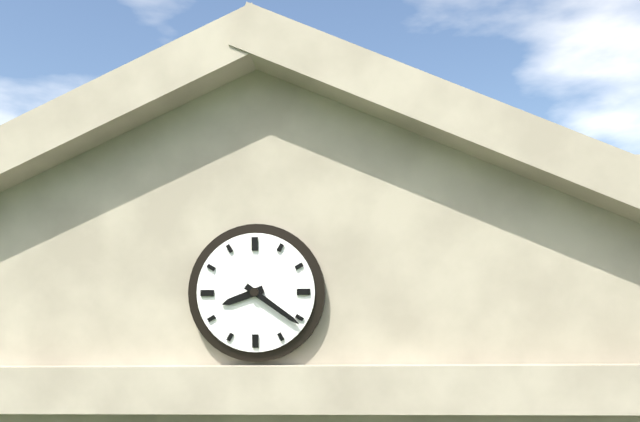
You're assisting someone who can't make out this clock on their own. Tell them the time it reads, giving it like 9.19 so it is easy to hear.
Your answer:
8.21
